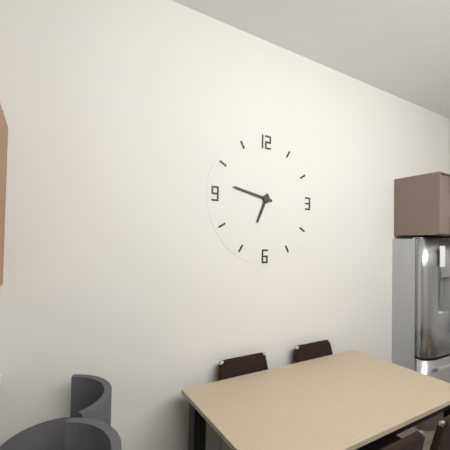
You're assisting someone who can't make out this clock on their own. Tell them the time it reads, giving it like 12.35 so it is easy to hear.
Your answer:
6.47
